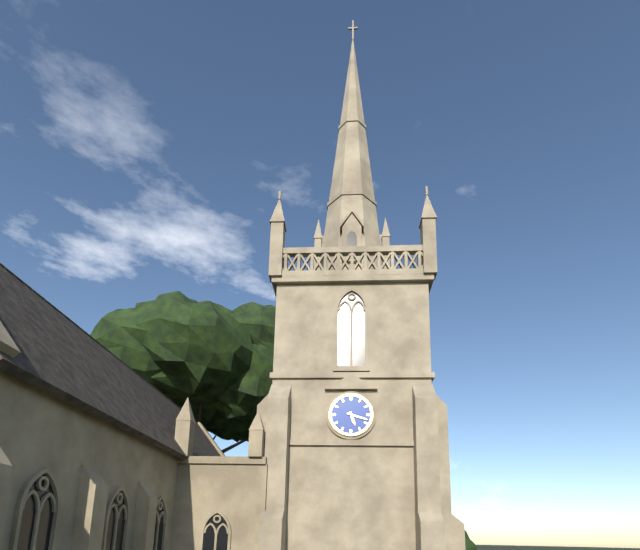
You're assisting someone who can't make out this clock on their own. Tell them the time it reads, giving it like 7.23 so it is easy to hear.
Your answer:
5.18
